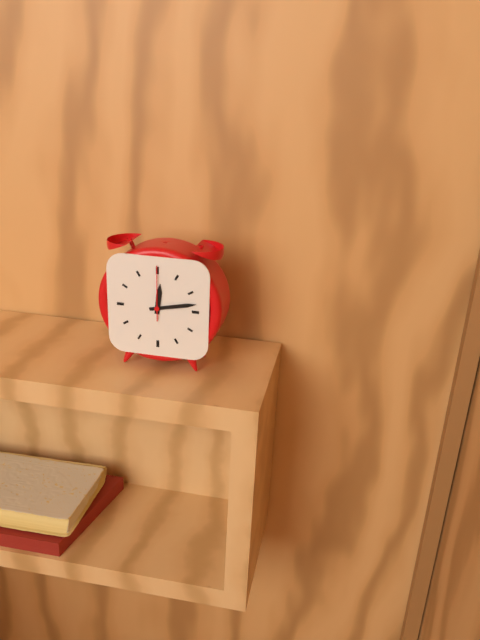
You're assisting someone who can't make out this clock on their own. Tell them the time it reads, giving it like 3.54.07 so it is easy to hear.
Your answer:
12.13.00
